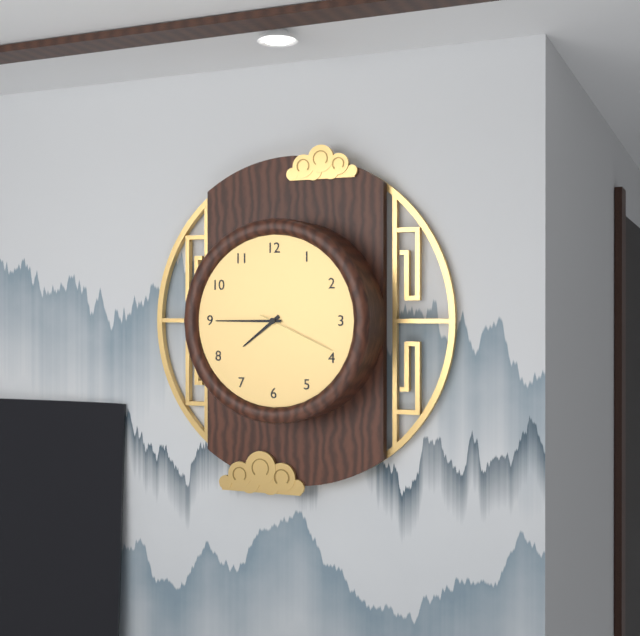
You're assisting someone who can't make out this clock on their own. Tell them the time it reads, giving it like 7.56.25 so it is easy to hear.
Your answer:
7.45.19
